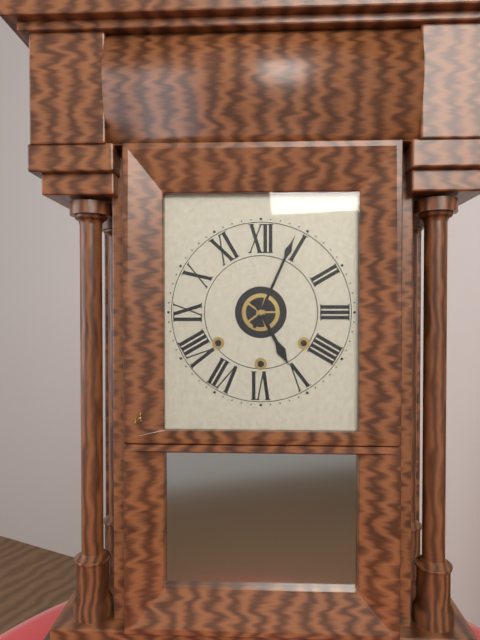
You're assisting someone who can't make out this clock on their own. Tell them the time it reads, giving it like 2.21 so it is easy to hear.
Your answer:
5.04
